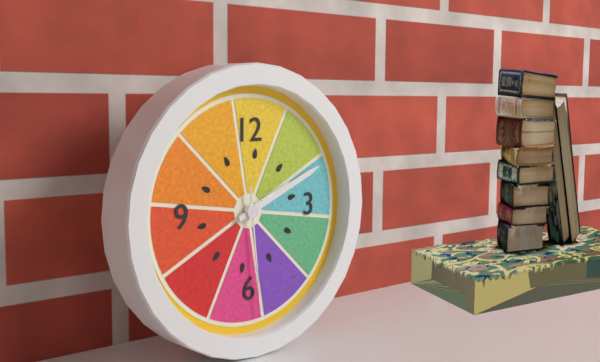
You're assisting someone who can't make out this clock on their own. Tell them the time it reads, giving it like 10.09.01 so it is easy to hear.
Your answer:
2.11.29
